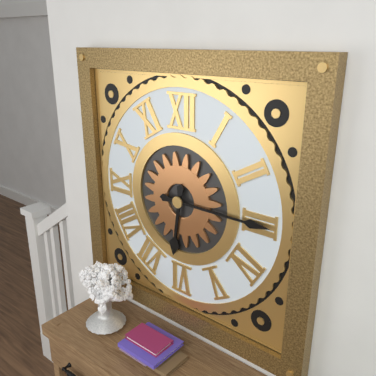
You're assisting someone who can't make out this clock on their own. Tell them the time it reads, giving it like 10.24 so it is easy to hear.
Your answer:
6.15
